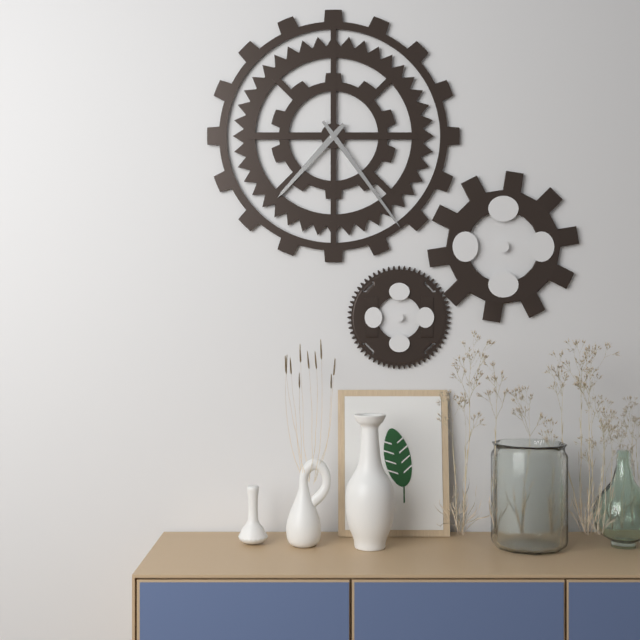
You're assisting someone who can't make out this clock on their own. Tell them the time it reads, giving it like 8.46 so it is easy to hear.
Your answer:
7.24
